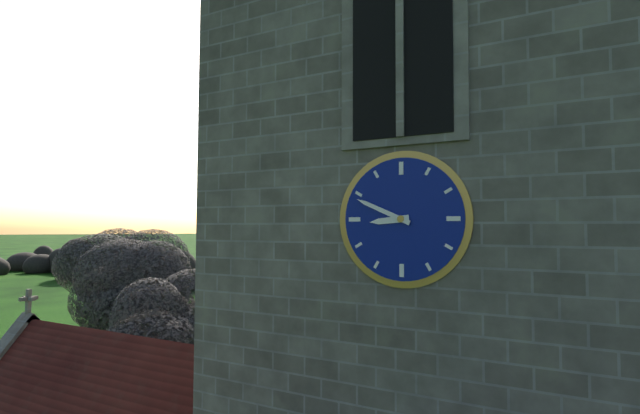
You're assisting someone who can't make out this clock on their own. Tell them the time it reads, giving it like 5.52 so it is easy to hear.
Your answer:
8.49
